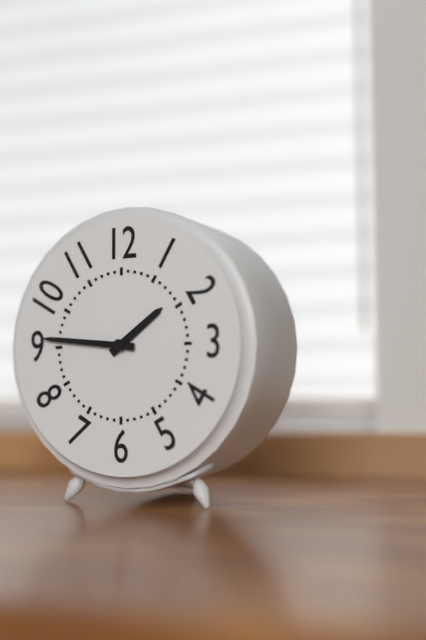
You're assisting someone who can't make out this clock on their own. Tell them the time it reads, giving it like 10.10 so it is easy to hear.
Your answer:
1.46
